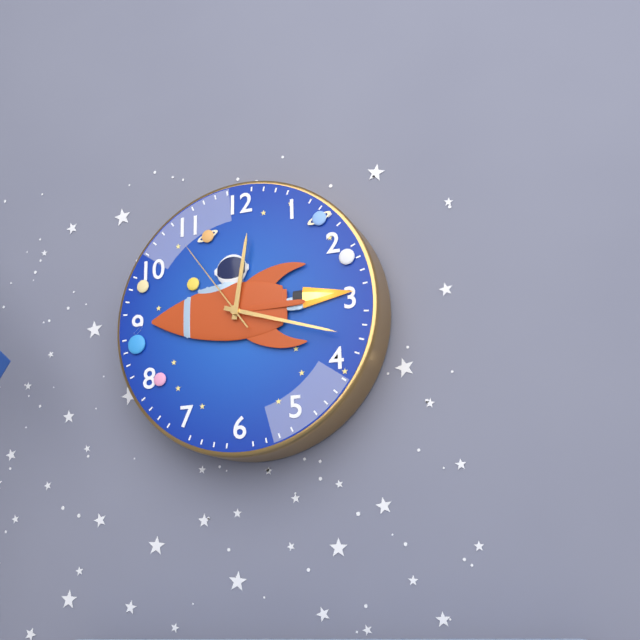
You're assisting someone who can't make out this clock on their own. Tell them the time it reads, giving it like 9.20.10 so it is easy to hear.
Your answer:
12.18.54
